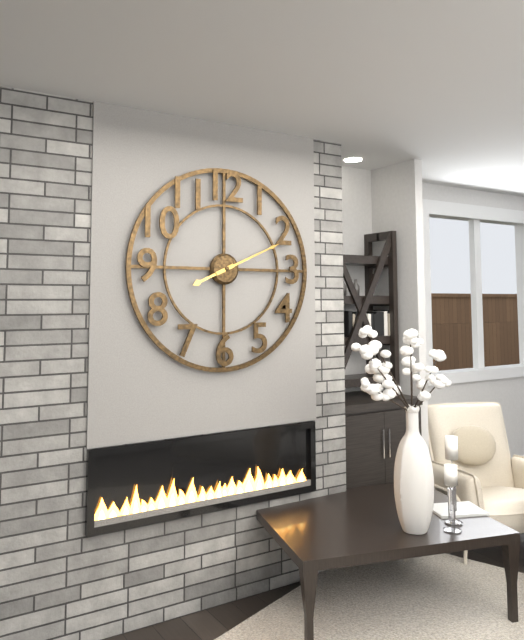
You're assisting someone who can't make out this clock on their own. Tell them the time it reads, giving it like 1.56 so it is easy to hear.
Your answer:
8.11
